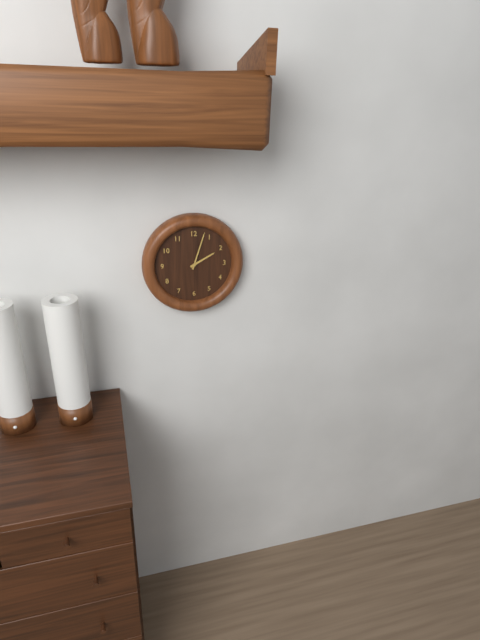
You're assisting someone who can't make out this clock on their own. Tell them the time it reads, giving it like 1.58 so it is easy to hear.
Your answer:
2.03
